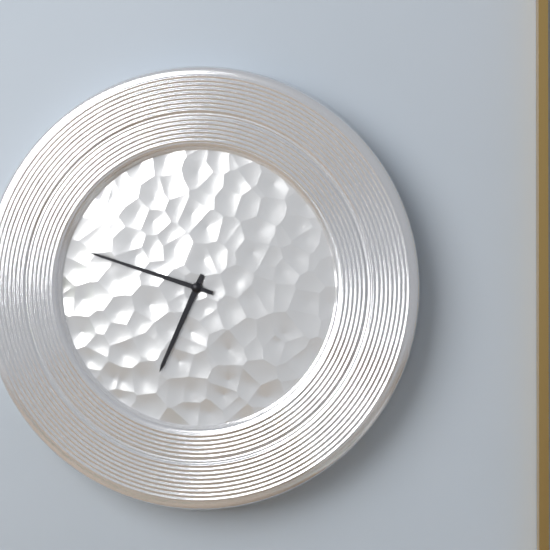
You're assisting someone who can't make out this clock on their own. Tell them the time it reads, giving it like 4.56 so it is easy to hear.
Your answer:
6.48
